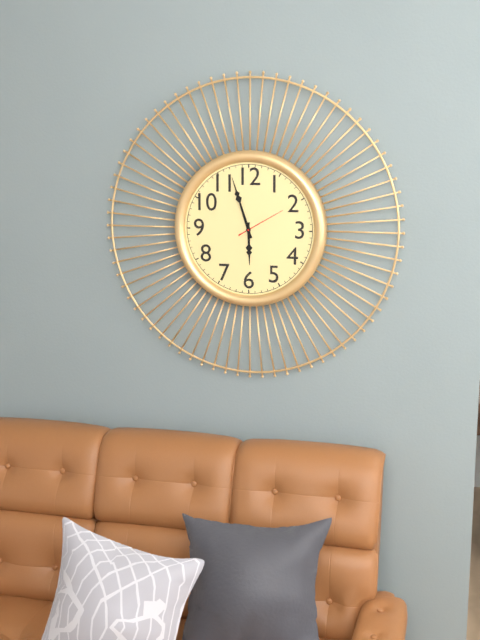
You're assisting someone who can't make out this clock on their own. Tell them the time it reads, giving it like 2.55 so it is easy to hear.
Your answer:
5.57
